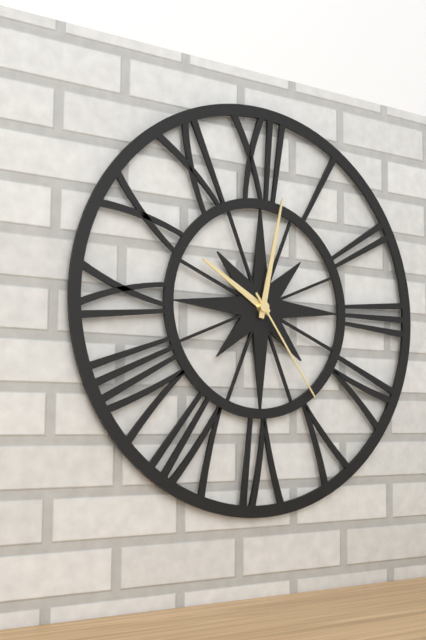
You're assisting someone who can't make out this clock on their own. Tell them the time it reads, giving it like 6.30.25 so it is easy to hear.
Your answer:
10.02.24
